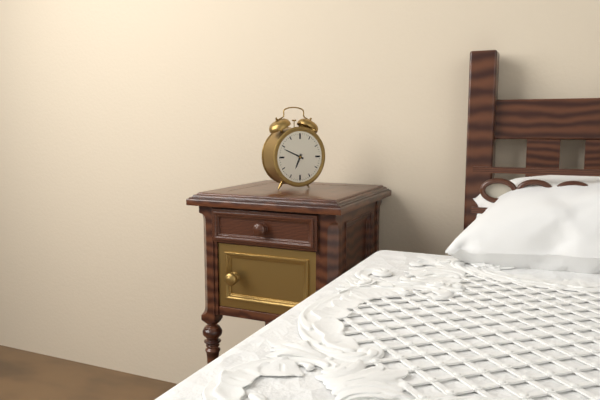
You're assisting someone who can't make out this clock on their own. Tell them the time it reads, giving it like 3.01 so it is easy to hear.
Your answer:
6.49
